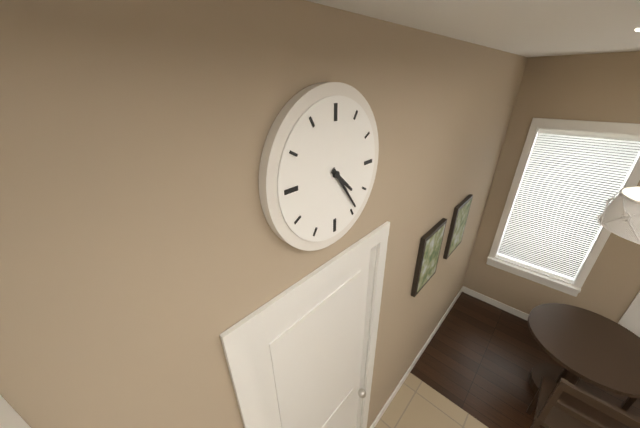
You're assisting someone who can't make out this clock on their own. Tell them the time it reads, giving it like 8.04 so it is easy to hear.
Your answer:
4.24
